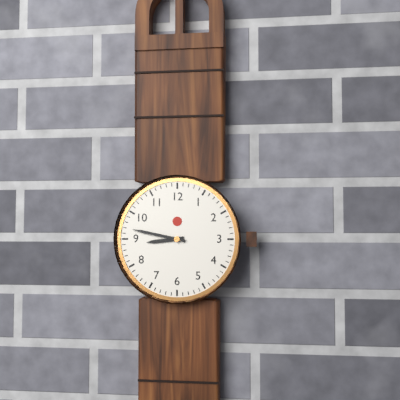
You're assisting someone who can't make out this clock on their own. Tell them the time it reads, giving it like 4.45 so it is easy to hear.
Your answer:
8.47
